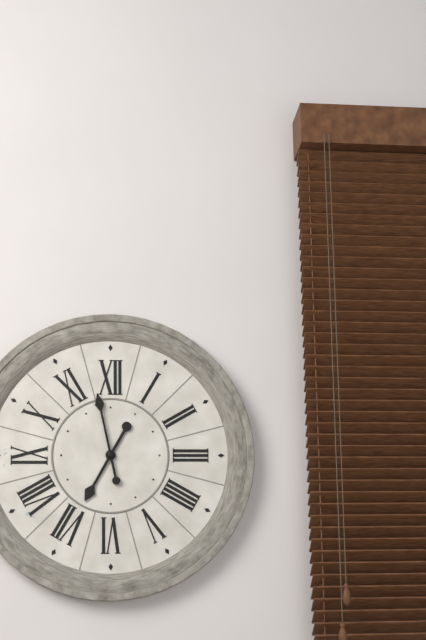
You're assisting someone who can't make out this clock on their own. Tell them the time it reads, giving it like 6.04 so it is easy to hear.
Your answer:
6.58
